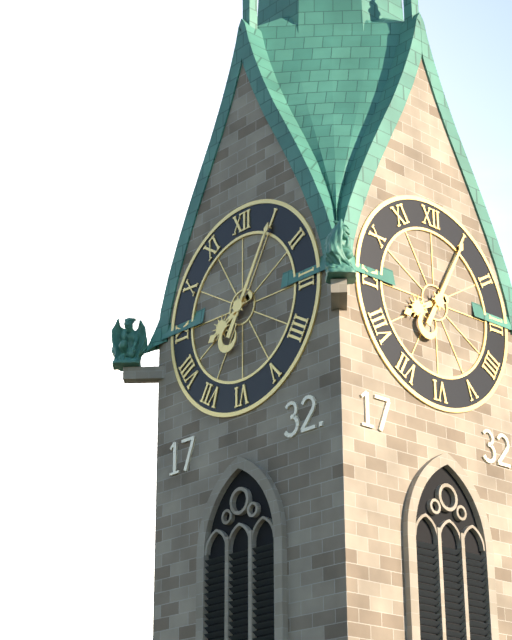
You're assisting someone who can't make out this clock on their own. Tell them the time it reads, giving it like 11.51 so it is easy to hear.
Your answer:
8.05
